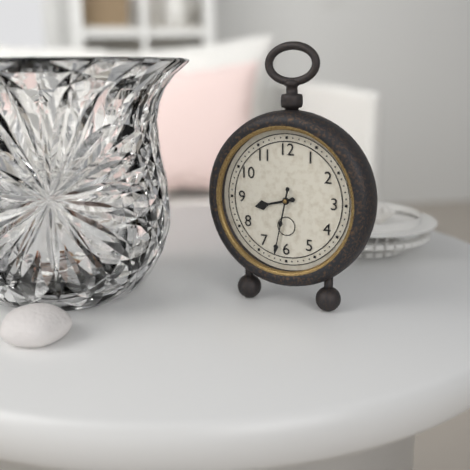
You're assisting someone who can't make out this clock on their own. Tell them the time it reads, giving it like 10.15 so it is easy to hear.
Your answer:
8.32
